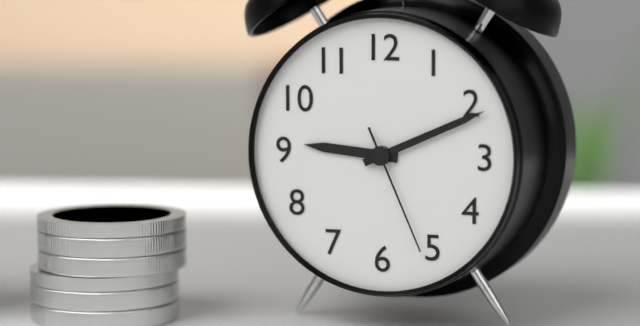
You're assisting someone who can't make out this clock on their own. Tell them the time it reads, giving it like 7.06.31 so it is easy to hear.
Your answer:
9.11.26
